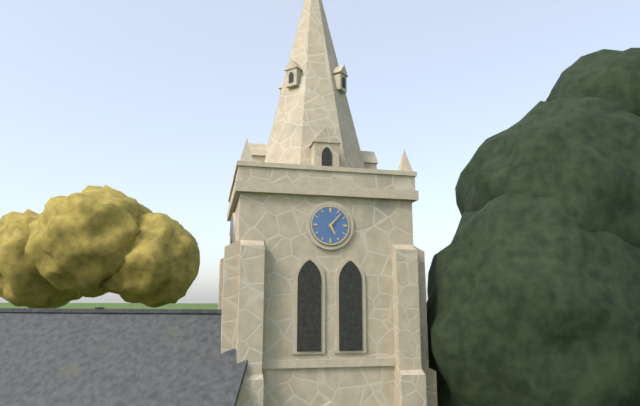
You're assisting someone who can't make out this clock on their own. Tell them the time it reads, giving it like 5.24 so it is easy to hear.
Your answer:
5.07
